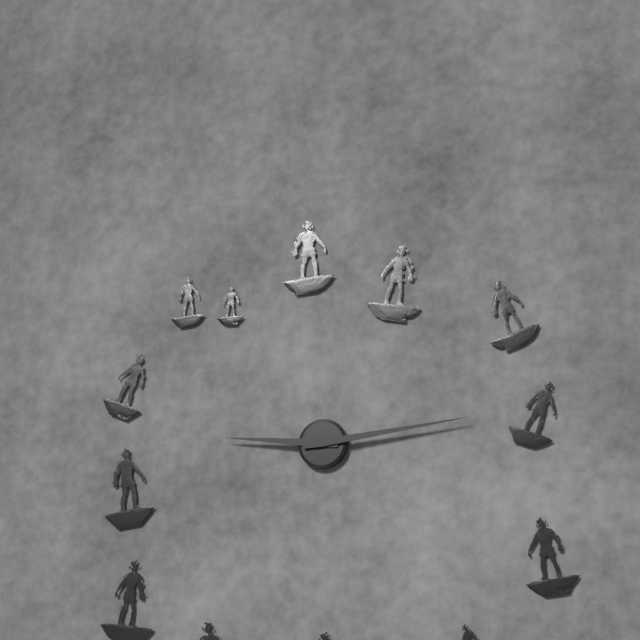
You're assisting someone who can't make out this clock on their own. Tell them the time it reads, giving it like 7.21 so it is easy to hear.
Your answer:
9.14
